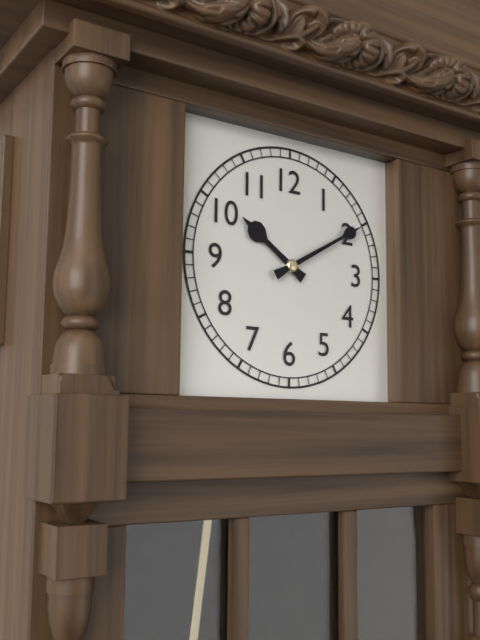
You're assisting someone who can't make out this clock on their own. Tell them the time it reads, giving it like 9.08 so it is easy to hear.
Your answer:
10.10
